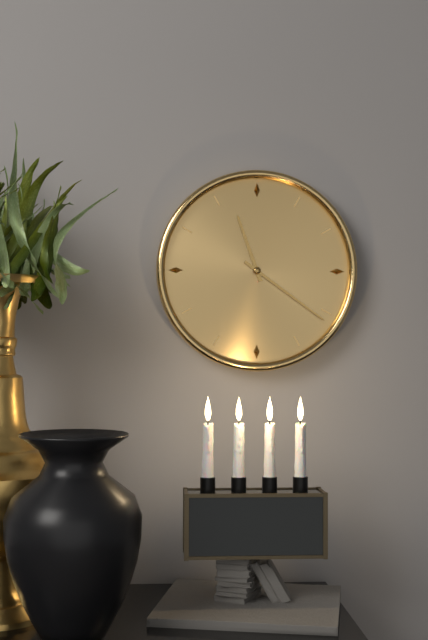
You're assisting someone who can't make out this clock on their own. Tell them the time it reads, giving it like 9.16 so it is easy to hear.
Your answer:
11.21
